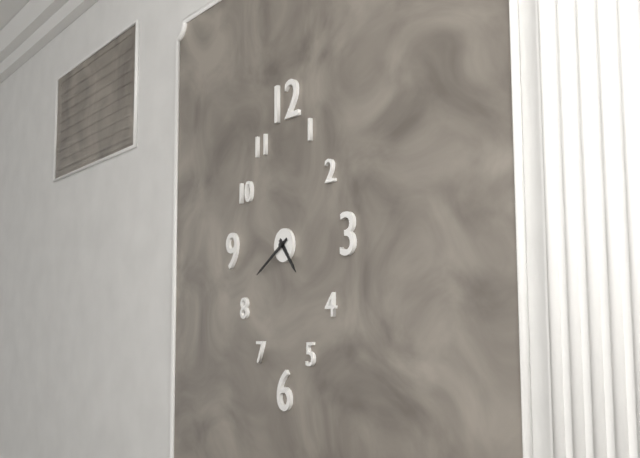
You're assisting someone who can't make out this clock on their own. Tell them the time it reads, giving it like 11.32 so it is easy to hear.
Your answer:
4.40
